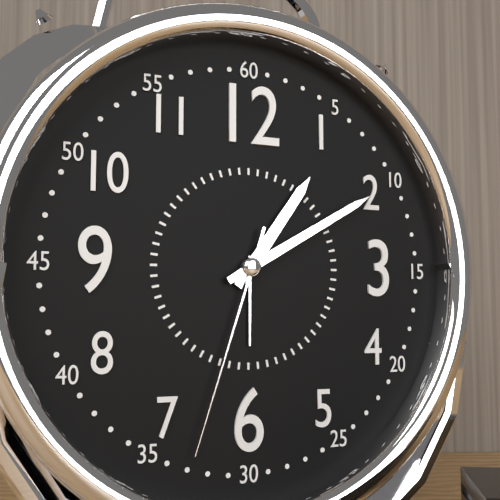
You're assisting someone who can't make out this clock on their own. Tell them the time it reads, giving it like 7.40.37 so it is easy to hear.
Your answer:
1.10.33
